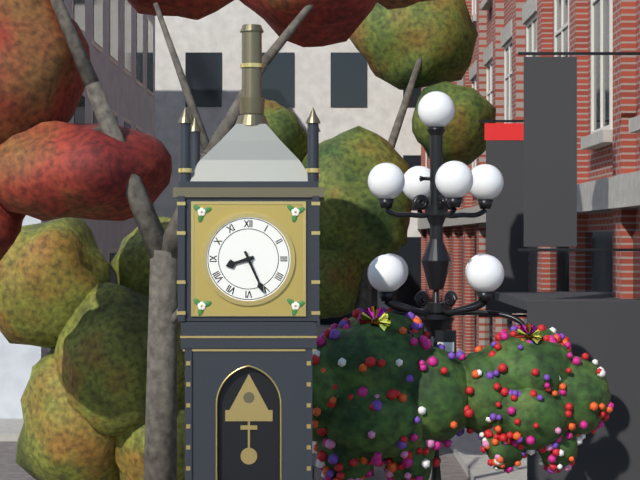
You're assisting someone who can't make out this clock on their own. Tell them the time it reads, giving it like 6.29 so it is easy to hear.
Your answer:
8.26
